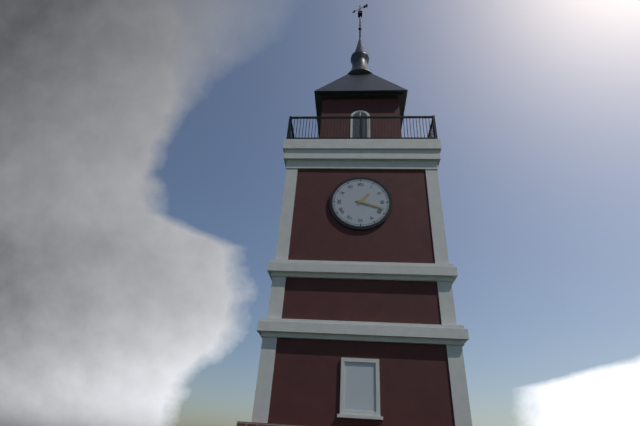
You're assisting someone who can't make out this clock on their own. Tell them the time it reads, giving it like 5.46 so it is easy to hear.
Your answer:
1.18
